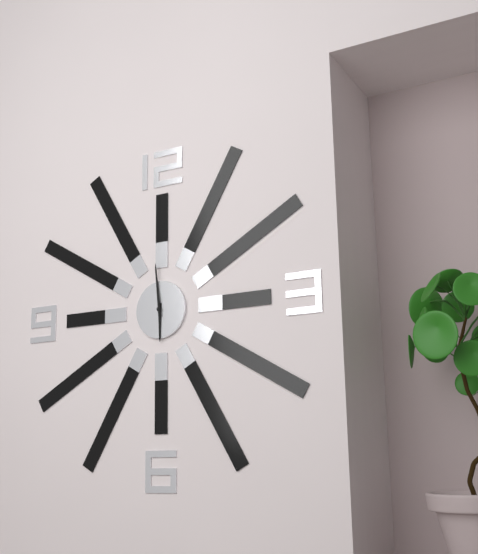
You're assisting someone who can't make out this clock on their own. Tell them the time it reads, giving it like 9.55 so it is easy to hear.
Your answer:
5.59
